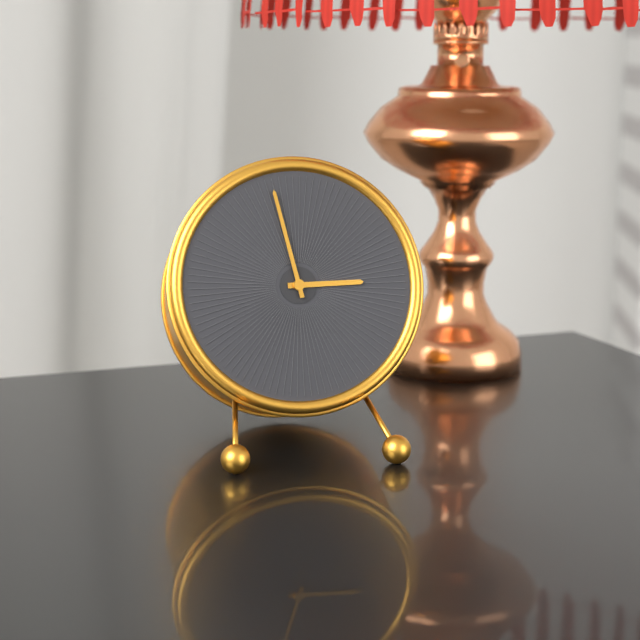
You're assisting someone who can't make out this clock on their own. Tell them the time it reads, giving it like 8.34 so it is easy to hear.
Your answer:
2.58
